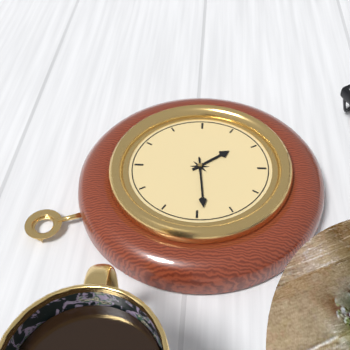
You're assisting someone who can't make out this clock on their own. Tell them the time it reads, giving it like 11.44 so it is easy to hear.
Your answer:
4.44
